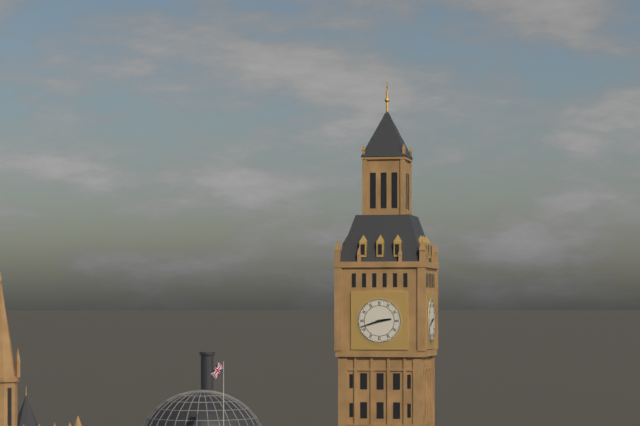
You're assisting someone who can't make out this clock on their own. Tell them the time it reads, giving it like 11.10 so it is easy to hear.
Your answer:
2.42
